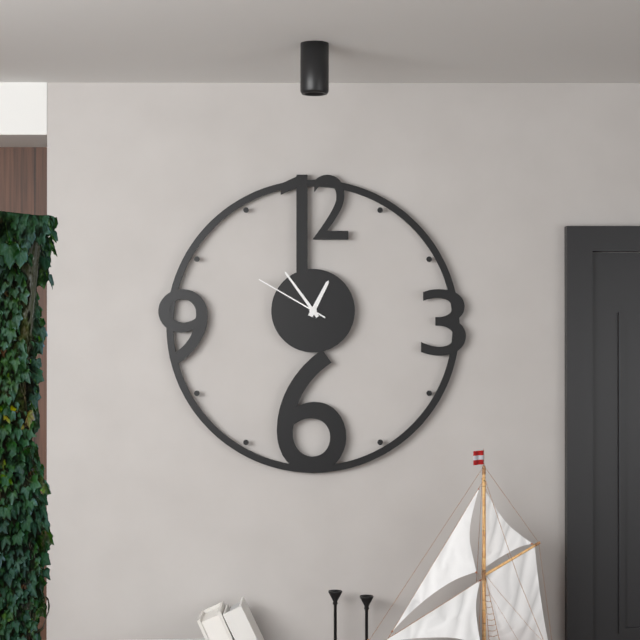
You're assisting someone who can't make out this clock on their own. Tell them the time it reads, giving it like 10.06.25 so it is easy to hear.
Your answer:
12.54.50
